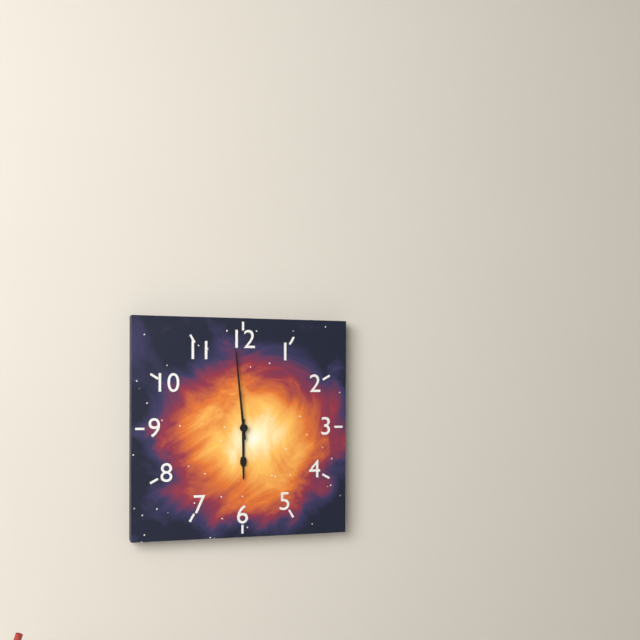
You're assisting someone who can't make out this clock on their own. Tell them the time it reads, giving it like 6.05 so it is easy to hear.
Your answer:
5.59
